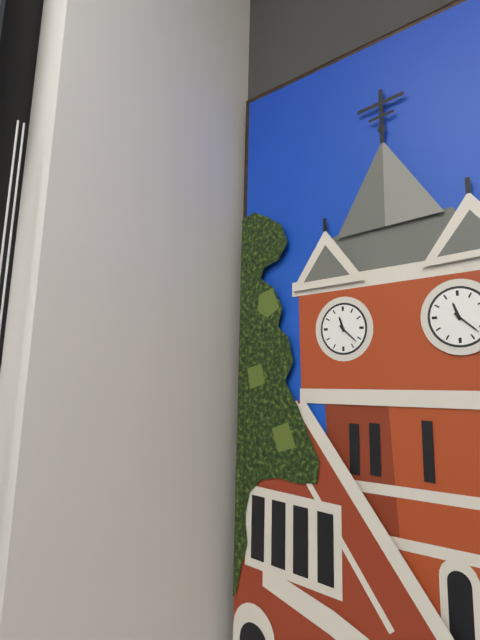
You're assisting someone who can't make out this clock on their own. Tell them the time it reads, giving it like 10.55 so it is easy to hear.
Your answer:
11.22
